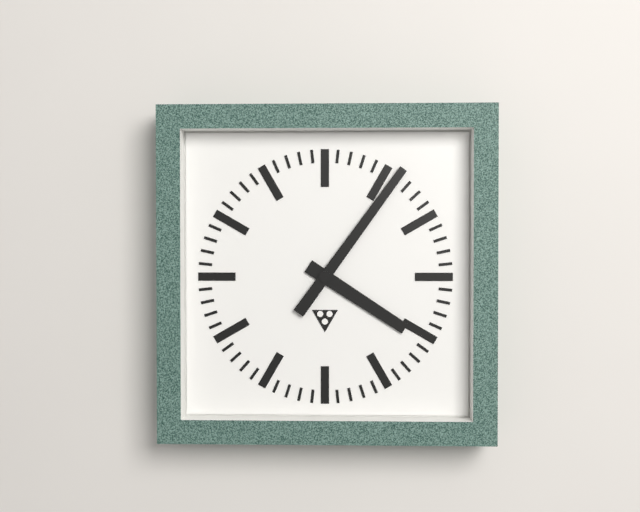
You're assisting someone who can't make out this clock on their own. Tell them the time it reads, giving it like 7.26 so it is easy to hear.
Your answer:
4.06
